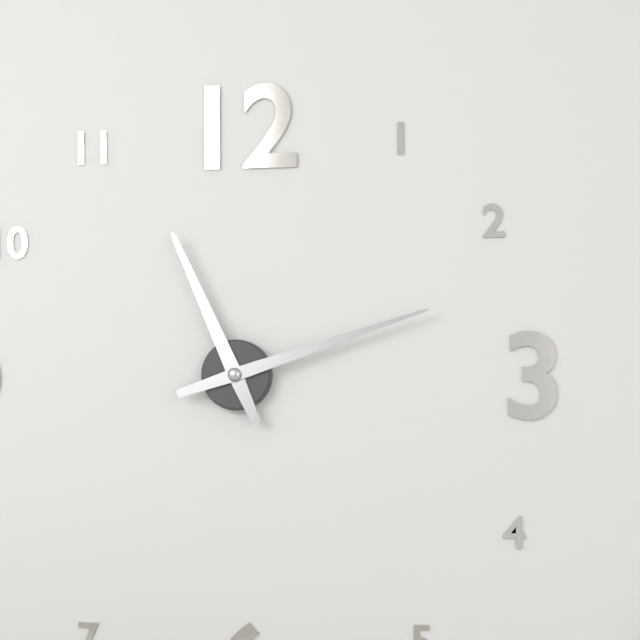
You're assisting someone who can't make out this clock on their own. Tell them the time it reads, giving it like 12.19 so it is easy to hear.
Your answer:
11.12
